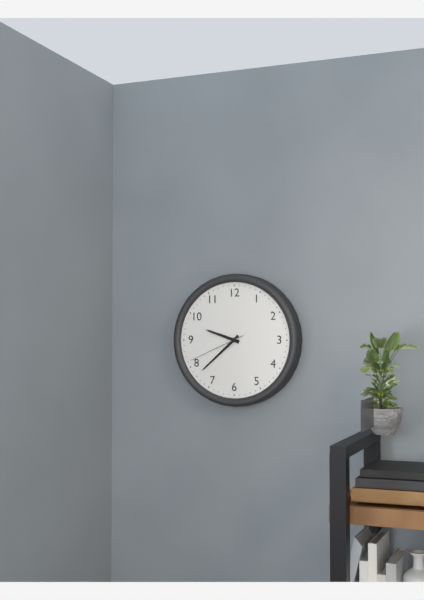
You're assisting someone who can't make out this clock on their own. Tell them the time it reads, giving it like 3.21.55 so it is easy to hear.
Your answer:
9.38.41
